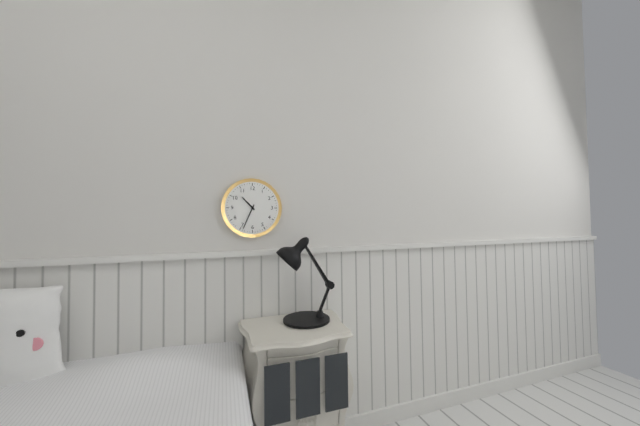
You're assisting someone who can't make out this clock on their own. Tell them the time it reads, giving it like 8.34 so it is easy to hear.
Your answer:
10.34
